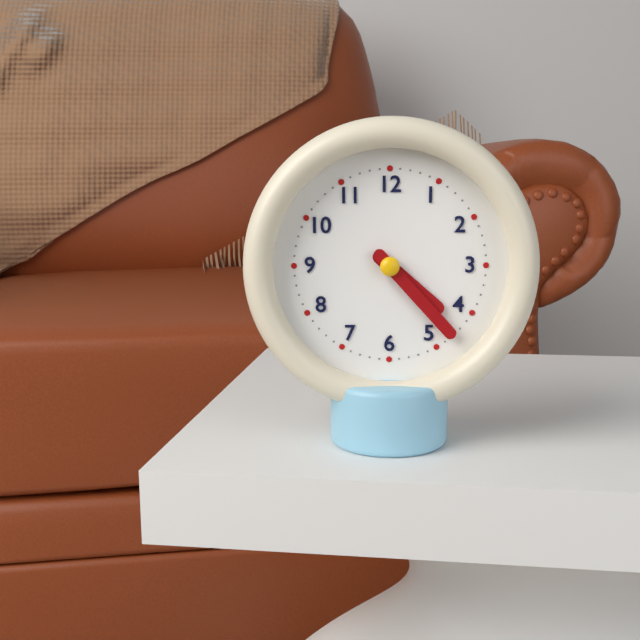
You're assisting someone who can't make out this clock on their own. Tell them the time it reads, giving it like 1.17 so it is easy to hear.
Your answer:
4.23
